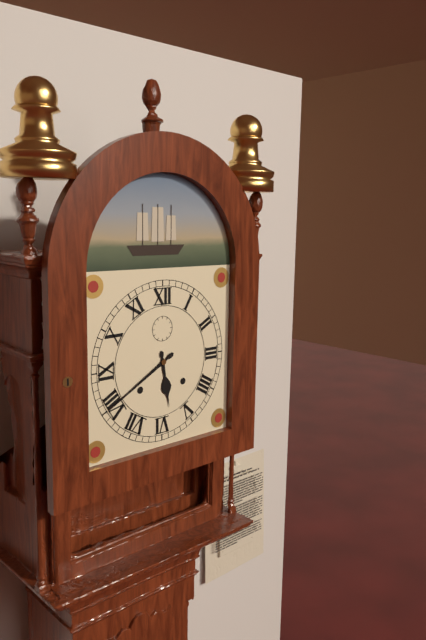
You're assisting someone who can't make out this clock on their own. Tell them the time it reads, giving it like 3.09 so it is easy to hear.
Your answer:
5.40
